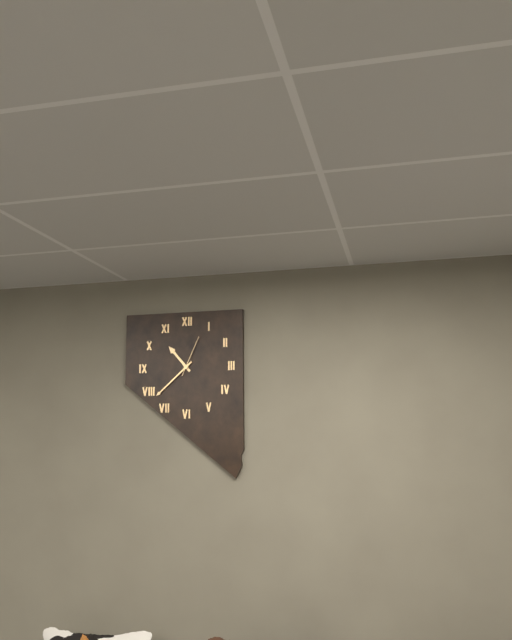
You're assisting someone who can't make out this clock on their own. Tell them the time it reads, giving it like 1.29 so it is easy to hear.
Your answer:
10.38
